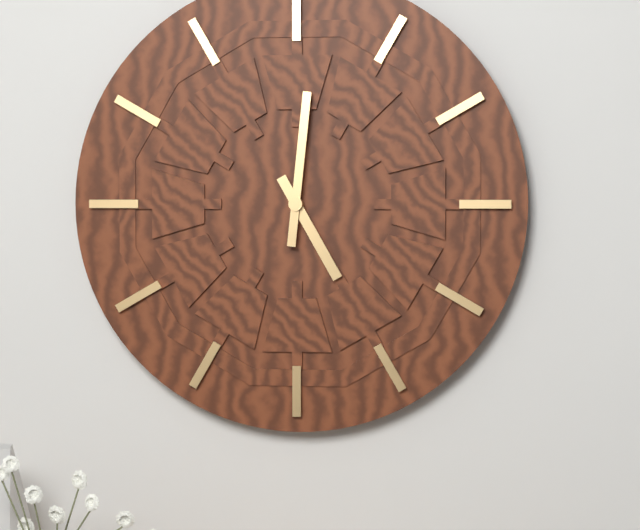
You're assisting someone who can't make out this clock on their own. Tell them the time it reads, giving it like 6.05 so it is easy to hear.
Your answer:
5.01
